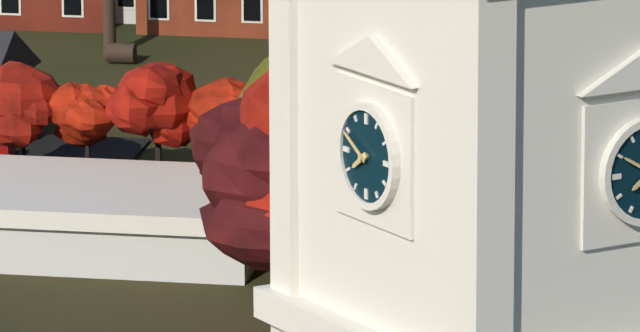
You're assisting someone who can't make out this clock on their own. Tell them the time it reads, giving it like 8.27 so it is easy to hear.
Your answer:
7.50
